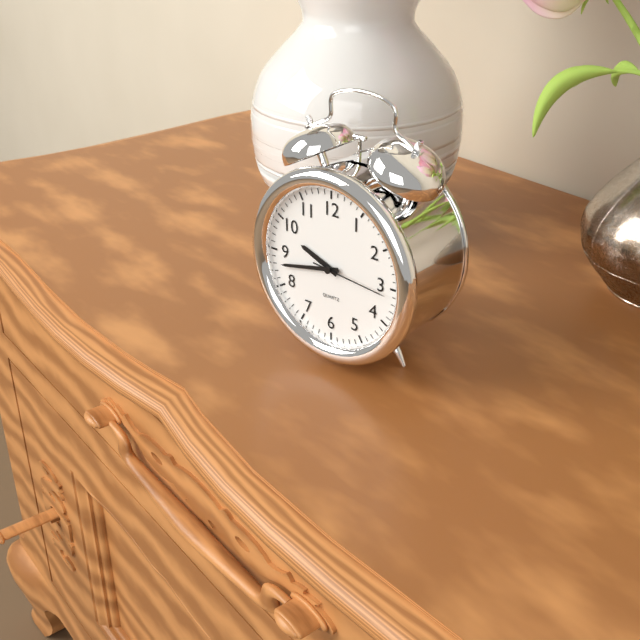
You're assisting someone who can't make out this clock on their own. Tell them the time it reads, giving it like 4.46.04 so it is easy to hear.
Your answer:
9.43.16
